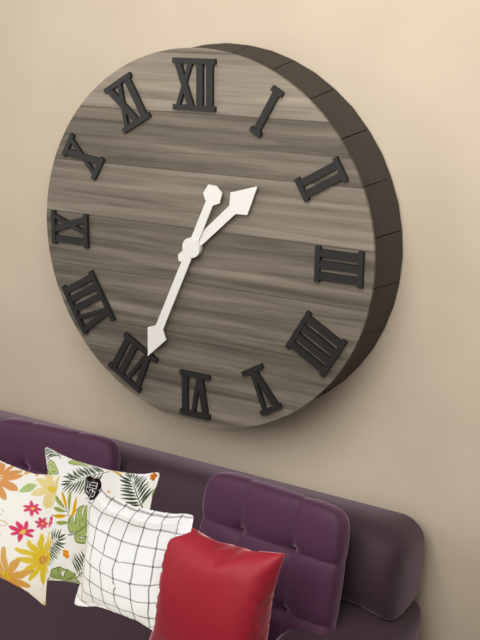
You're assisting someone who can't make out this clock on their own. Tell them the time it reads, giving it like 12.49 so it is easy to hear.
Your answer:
1.34
